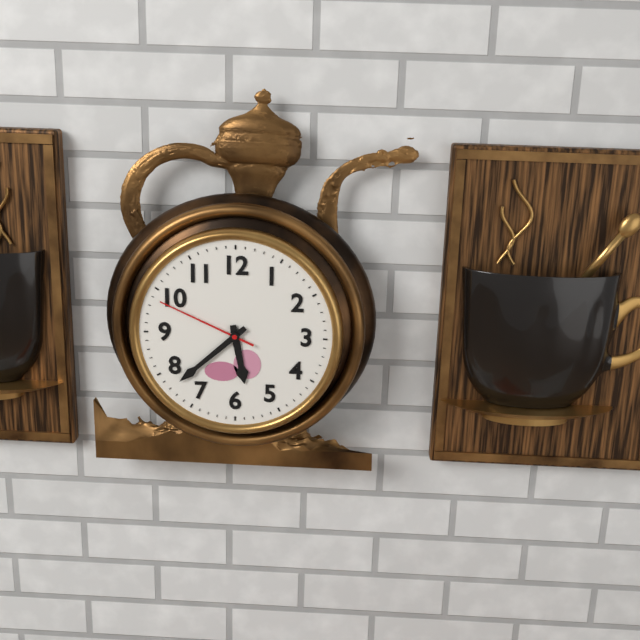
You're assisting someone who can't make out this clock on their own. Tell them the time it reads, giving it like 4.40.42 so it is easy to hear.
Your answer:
5.38.49
